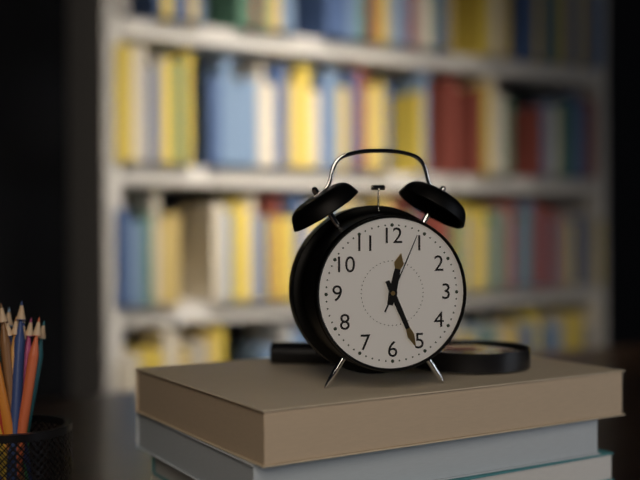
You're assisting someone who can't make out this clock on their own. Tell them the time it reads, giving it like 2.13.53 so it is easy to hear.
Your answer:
12.26.04
